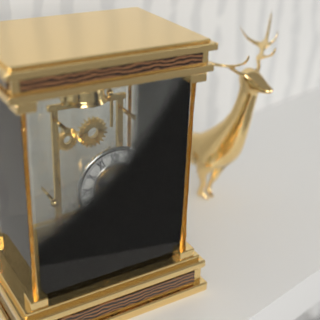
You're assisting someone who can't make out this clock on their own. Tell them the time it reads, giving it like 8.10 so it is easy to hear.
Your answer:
9.39
